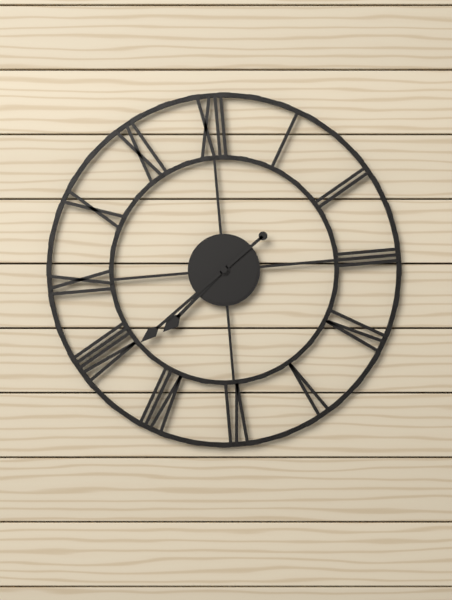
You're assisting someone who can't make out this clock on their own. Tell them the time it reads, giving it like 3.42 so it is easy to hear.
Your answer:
7.39
